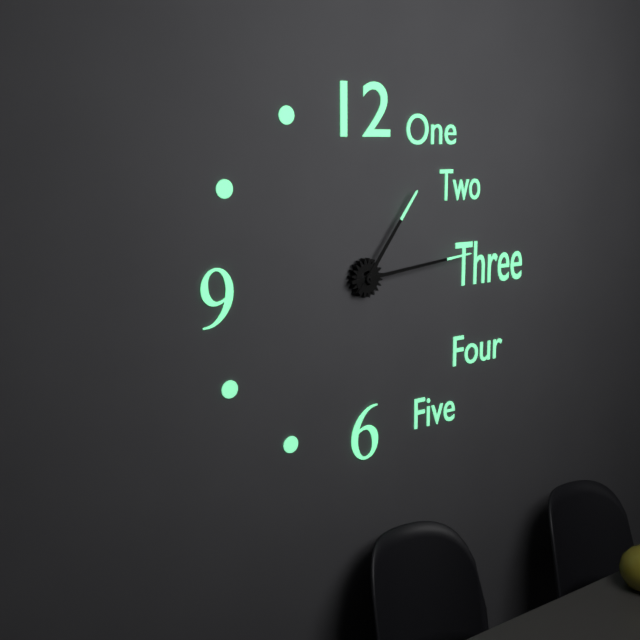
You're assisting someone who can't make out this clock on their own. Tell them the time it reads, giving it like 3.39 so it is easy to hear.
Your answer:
1.14
